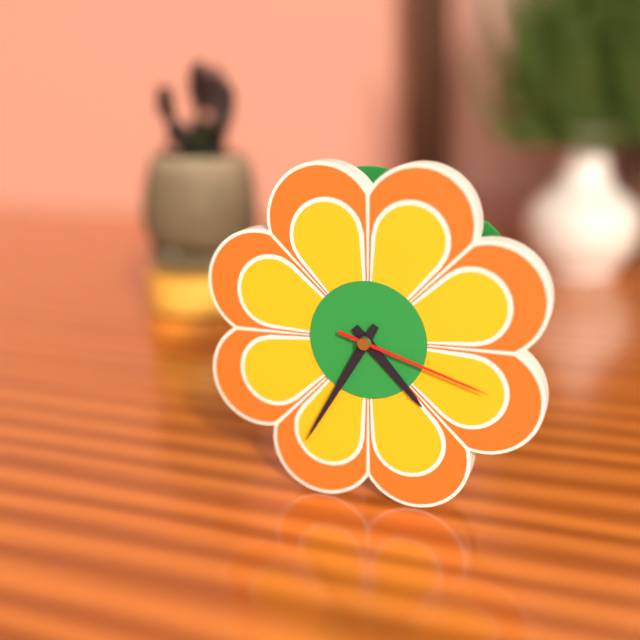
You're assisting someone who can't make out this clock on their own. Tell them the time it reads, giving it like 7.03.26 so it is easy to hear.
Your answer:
4.35.18
